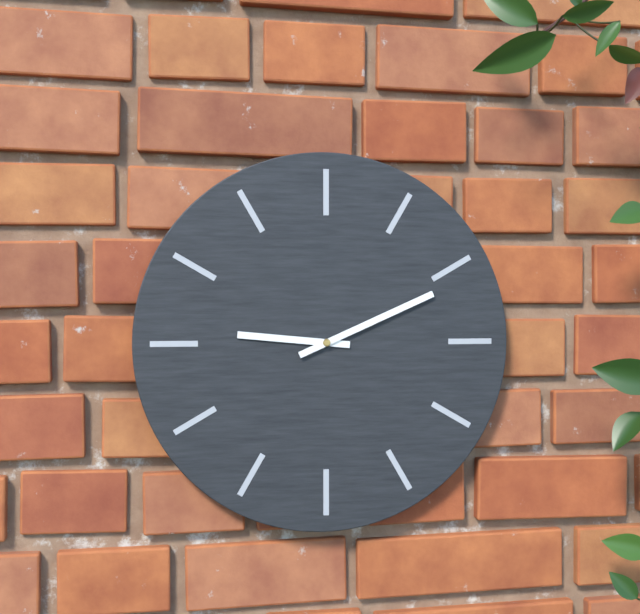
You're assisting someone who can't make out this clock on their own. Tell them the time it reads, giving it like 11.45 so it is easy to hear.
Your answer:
9.11
